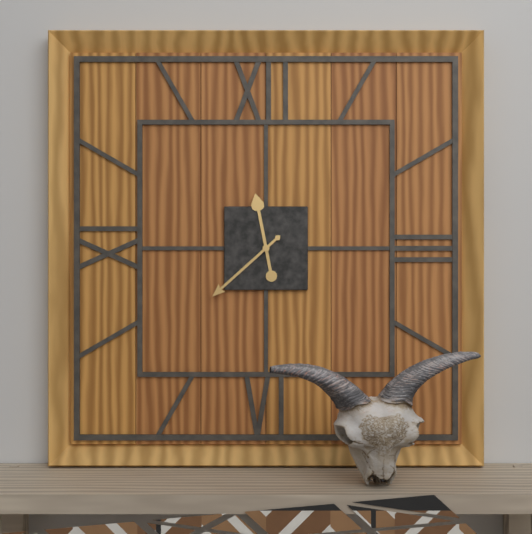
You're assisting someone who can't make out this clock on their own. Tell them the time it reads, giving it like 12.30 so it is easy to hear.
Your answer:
11.38
